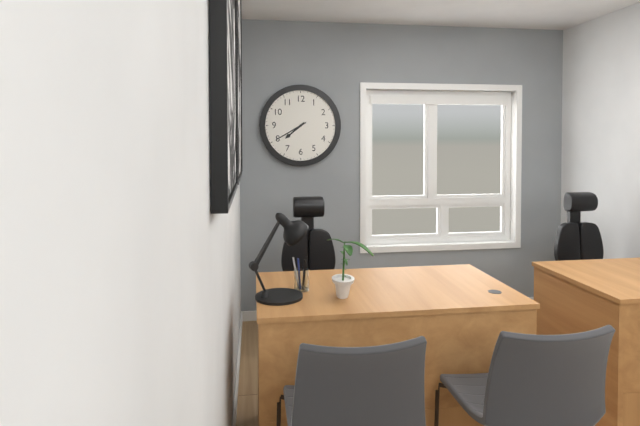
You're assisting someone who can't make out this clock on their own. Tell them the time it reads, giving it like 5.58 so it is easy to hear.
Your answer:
7.40
